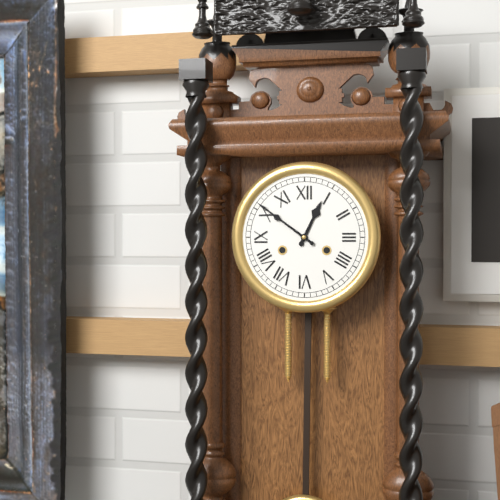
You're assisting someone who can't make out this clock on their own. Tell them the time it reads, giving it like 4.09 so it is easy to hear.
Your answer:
12.51
